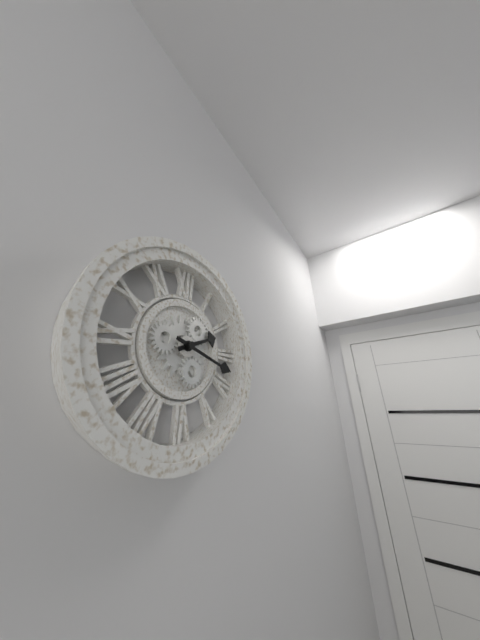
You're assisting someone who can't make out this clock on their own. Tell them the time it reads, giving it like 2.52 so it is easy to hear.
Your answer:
2.18
